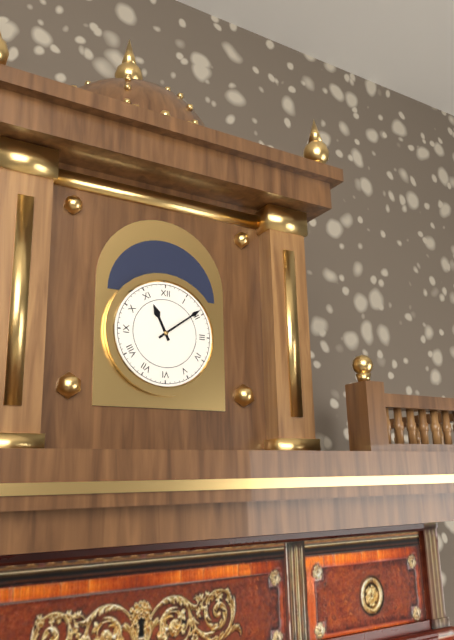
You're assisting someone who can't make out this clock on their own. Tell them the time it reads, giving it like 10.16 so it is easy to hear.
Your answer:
11.09
